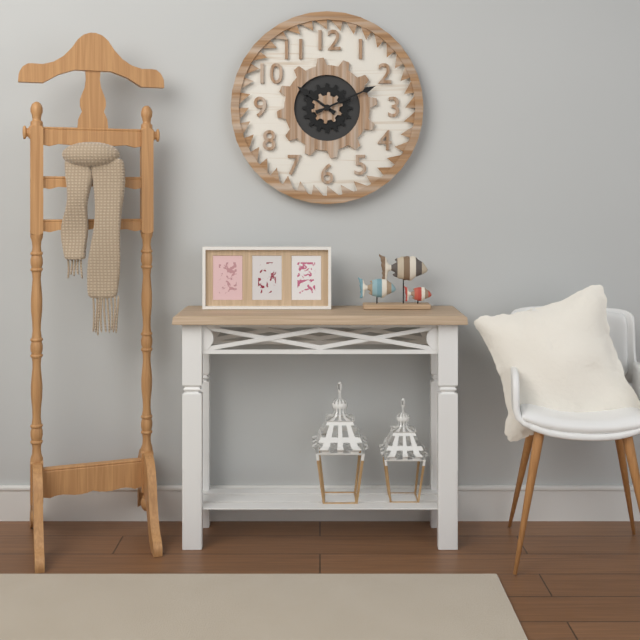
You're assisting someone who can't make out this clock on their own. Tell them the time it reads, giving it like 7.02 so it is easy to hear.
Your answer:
10.11
